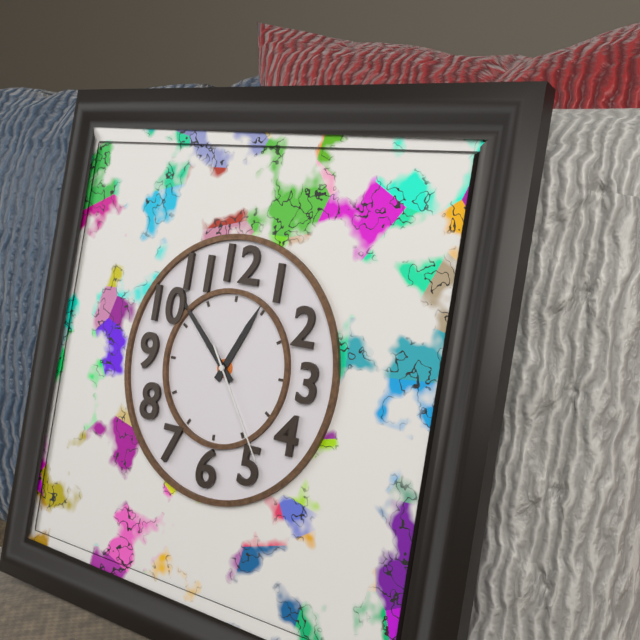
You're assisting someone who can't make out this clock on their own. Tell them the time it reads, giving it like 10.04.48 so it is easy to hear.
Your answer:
12.52.24
